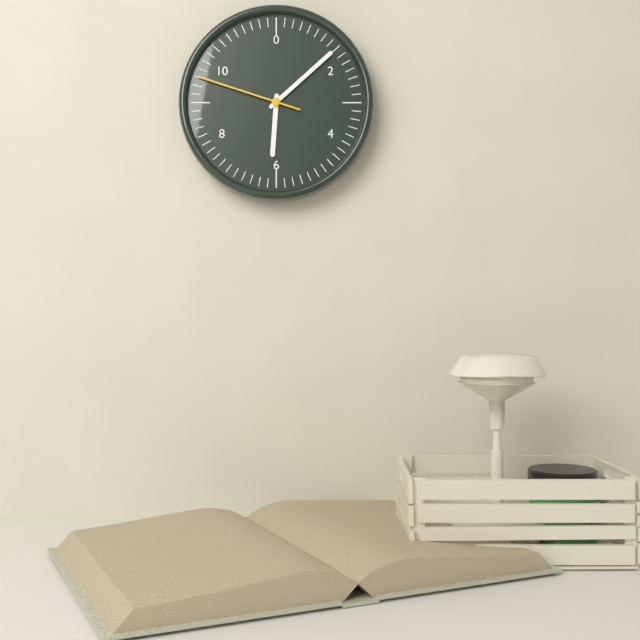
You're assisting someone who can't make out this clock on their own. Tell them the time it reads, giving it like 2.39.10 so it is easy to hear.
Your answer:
6.08.48
